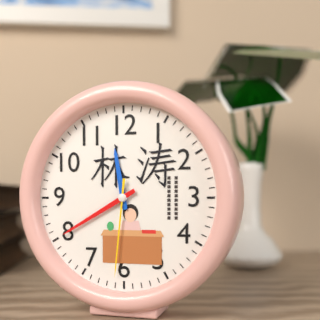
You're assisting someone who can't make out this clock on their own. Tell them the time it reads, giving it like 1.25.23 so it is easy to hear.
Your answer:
11.40.31
